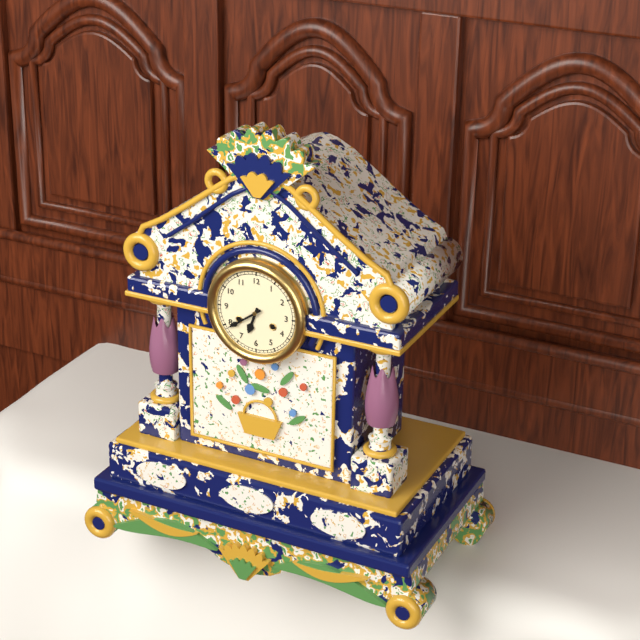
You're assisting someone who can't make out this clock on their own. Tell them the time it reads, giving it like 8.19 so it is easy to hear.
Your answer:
6.39
